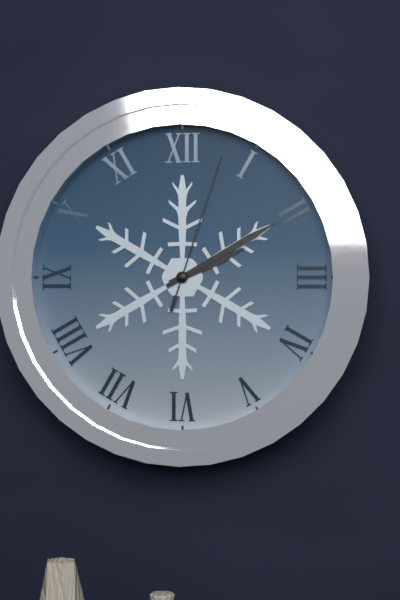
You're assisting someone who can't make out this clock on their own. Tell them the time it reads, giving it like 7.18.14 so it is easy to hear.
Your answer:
2.10.03
